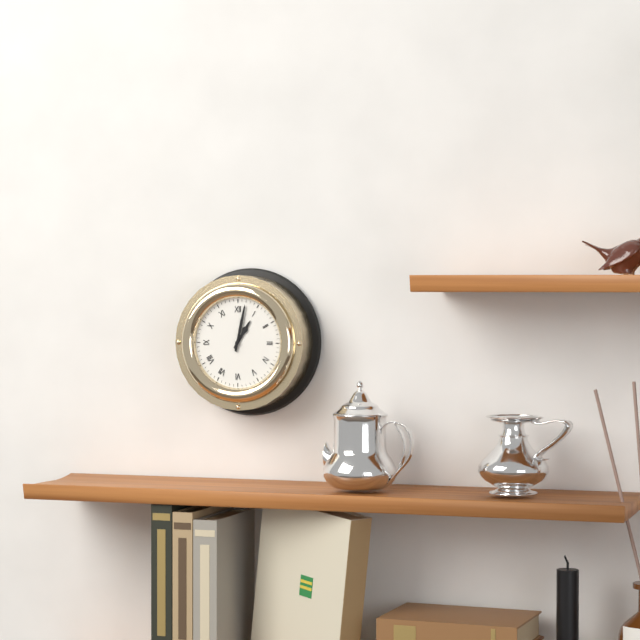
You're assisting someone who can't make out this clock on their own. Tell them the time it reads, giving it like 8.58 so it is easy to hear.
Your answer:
1.02
